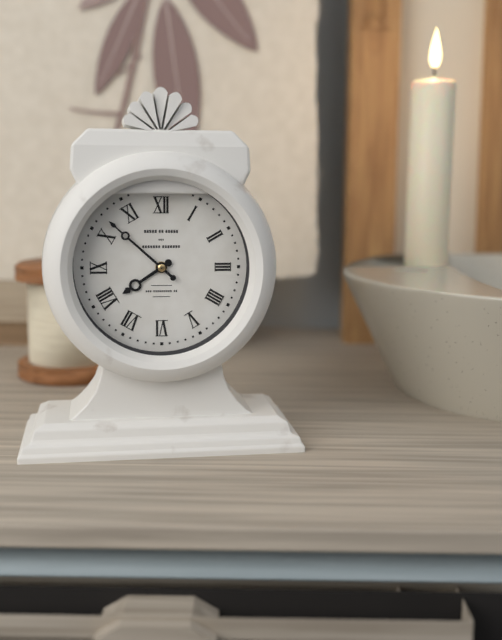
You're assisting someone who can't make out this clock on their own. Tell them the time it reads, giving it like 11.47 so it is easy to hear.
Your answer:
7.52
